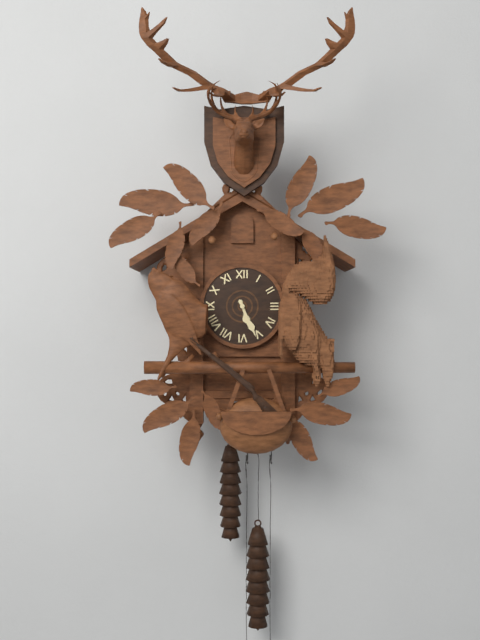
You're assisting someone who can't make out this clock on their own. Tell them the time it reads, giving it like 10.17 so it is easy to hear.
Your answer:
5.26
